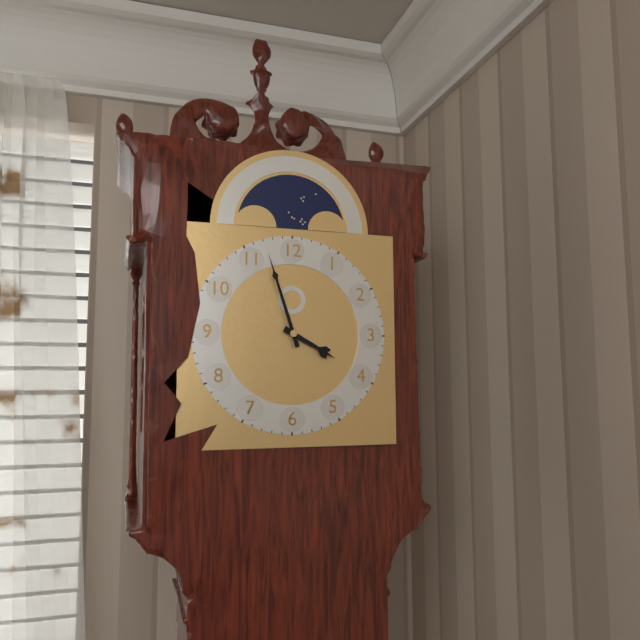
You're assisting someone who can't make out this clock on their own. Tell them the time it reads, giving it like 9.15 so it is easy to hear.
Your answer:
3.57
